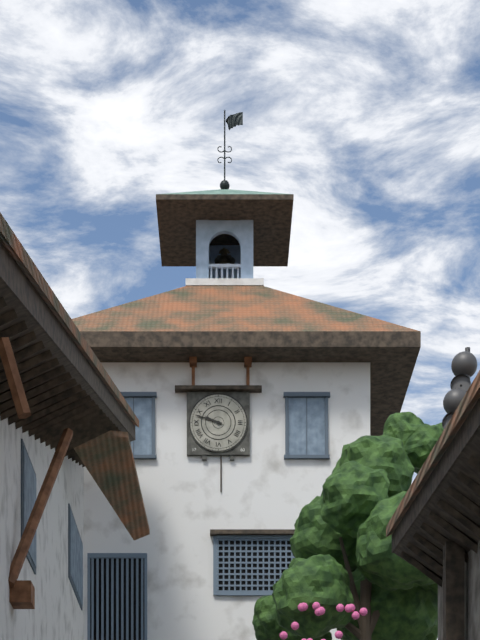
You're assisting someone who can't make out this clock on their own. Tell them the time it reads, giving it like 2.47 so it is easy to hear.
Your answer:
9.48
